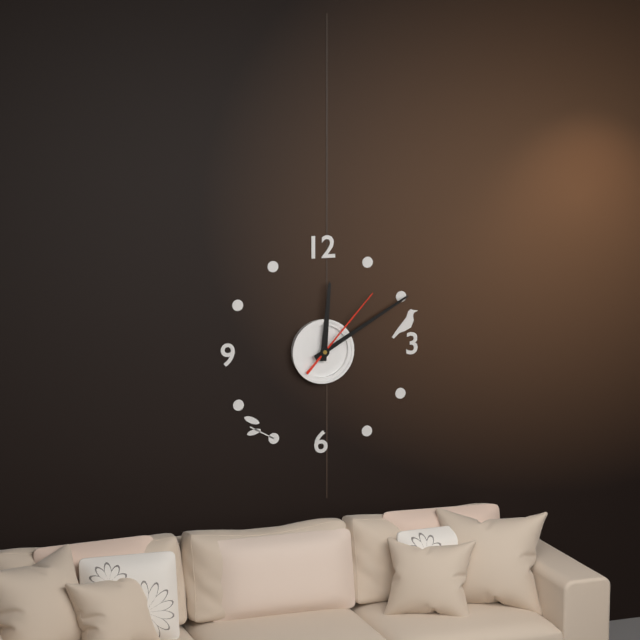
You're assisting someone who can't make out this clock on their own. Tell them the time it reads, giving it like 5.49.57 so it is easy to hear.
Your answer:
12.10.07
